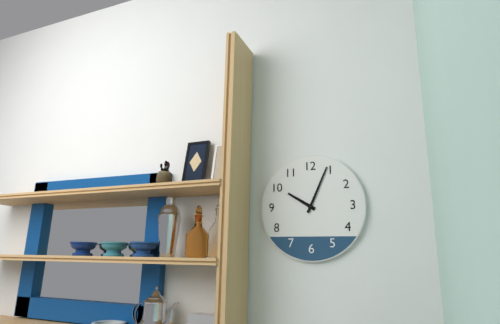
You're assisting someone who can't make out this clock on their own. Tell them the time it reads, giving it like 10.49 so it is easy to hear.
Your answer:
10.04
